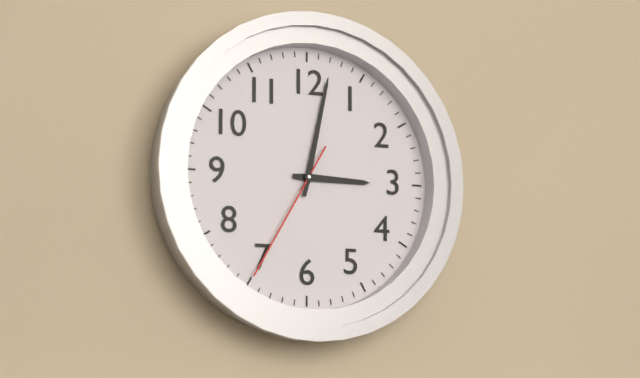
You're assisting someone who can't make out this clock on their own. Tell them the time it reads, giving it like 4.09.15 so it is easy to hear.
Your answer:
3.02.35
